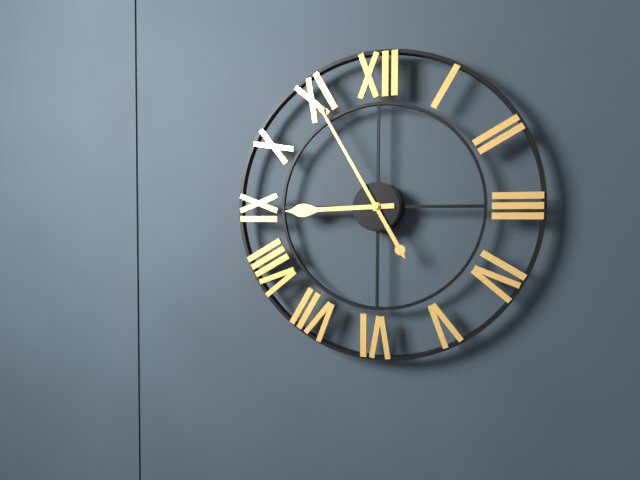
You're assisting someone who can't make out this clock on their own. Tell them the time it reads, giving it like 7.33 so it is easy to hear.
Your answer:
8.55
